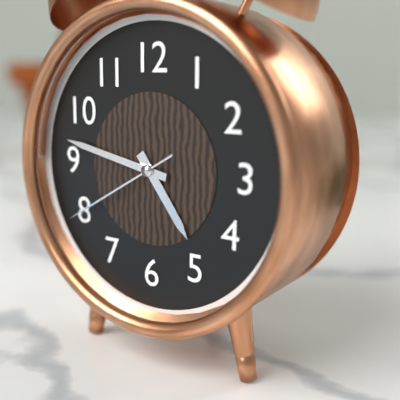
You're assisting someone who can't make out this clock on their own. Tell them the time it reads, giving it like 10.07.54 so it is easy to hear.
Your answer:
4.47.40
